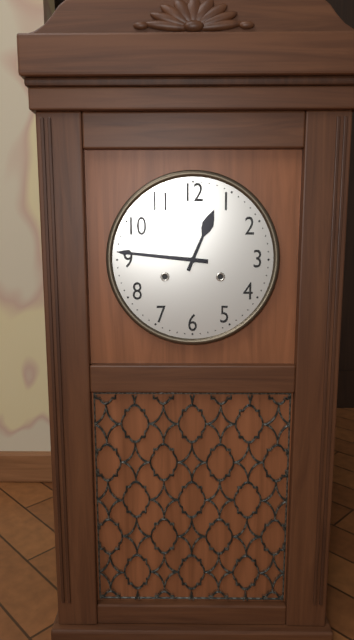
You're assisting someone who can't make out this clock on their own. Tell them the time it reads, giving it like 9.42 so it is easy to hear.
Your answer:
12.46
